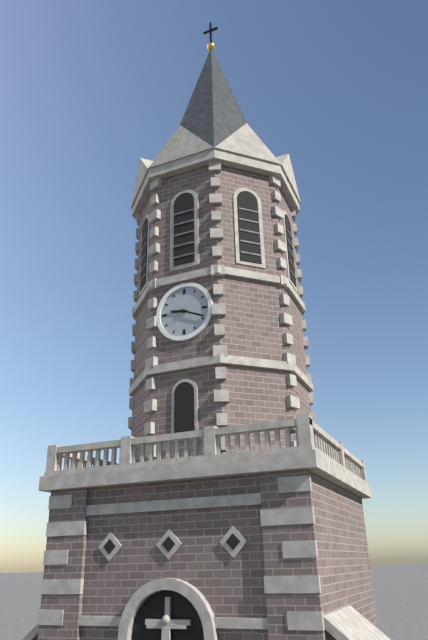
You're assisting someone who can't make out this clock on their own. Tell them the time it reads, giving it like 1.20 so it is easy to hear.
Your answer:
9.19
